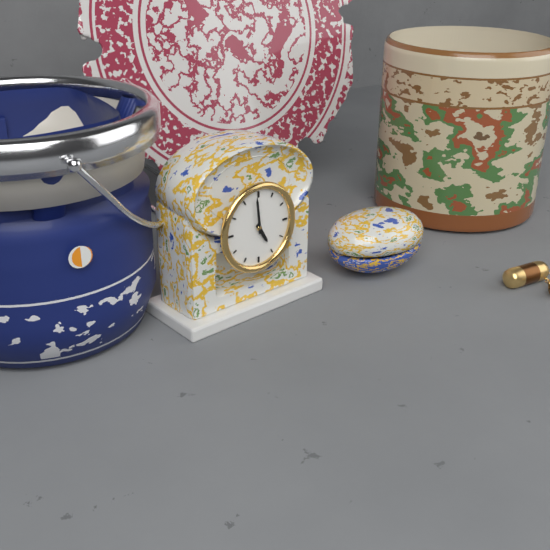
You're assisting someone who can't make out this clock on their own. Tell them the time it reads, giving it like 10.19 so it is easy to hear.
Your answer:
4.59
